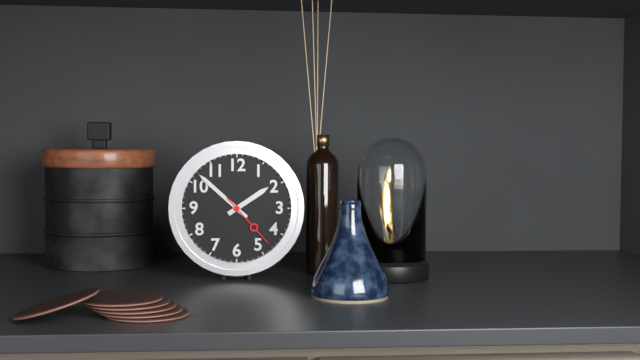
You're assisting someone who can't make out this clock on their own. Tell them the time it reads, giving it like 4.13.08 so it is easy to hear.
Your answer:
1.52.23
